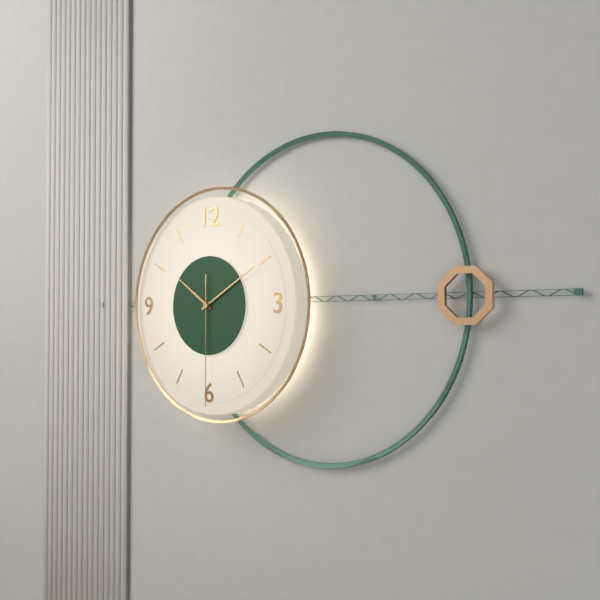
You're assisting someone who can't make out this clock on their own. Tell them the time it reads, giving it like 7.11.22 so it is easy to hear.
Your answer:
10.10.30
